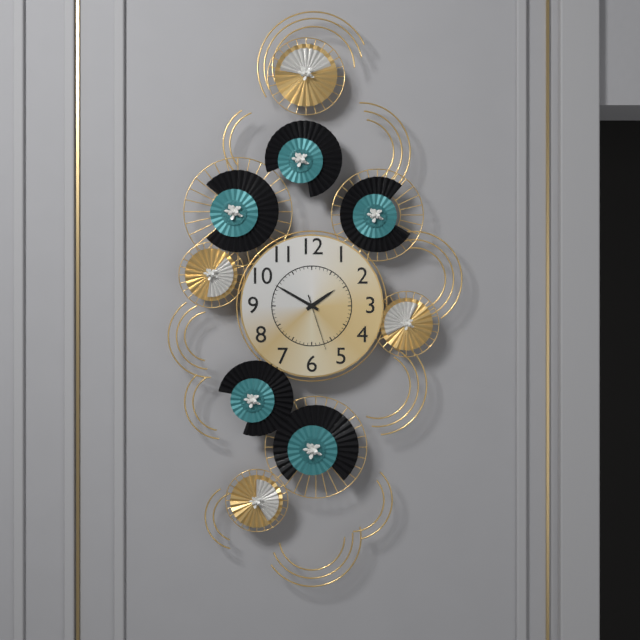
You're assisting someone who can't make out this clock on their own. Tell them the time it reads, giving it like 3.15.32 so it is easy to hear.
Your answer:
1.50.27
